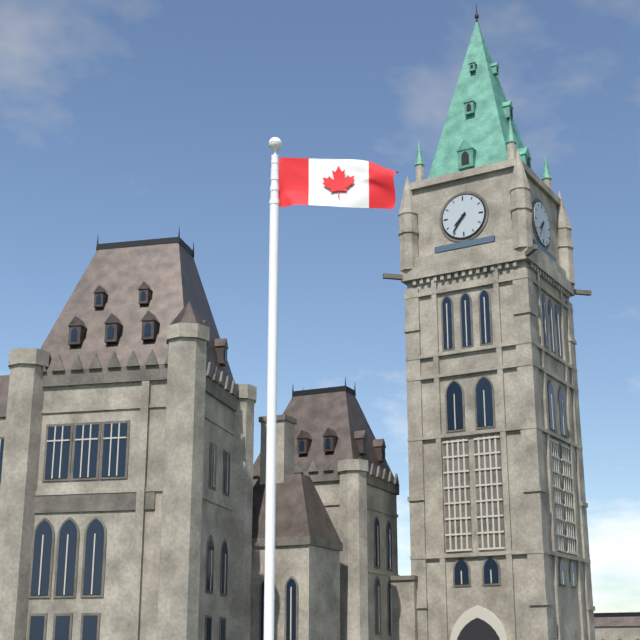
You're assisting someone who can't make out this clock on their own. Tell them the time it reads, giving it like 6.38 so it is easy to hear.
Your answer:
7.36
